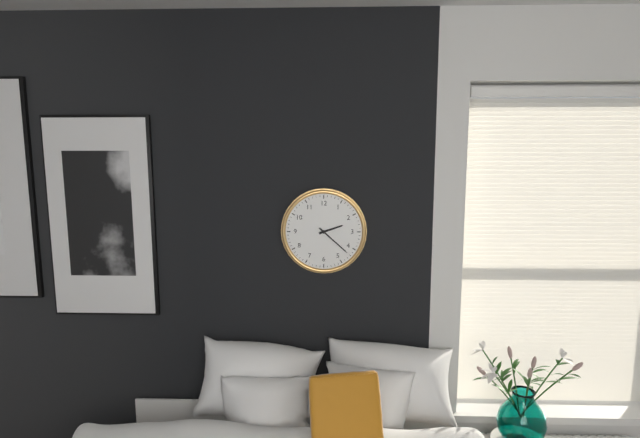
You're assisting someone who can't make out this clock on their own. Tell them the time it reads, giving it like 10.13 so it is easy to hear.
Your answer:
2.22
